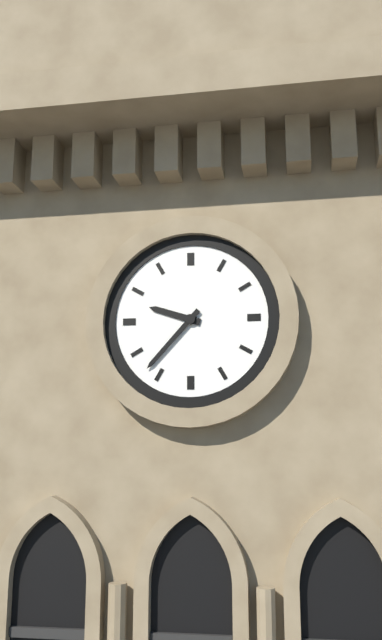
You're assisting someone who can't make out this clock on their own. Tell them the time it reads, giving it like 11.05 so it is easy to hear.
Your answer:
9.37
